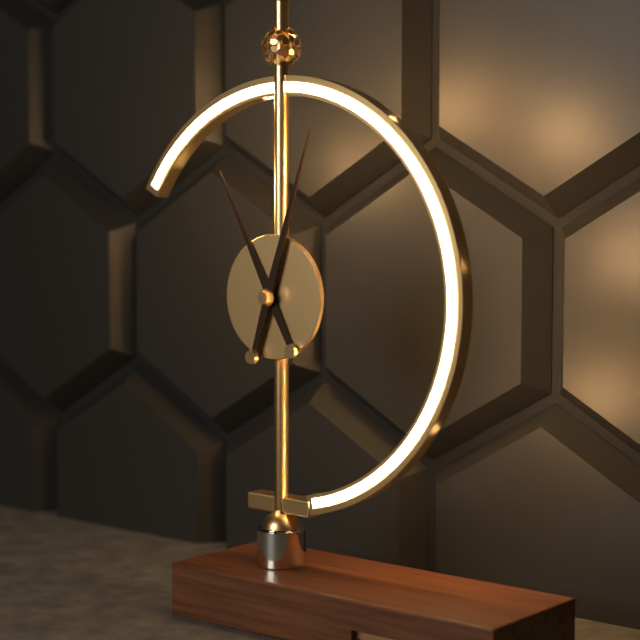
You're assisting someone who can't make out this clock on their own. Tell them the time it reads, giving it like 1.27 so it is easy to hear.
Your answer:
11.03
